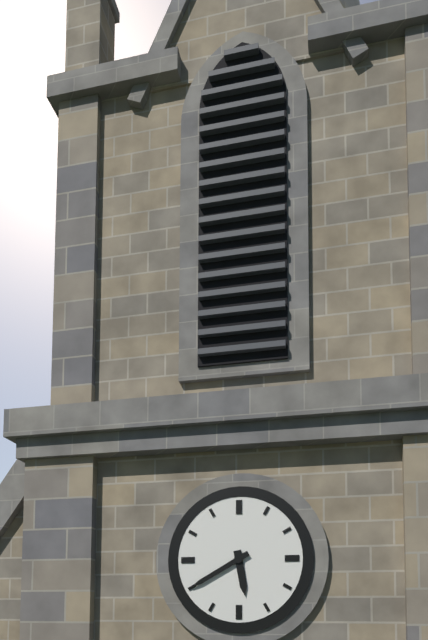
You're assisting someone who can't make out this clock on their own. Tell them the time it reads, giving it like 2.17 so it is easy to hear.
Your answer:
5.40
